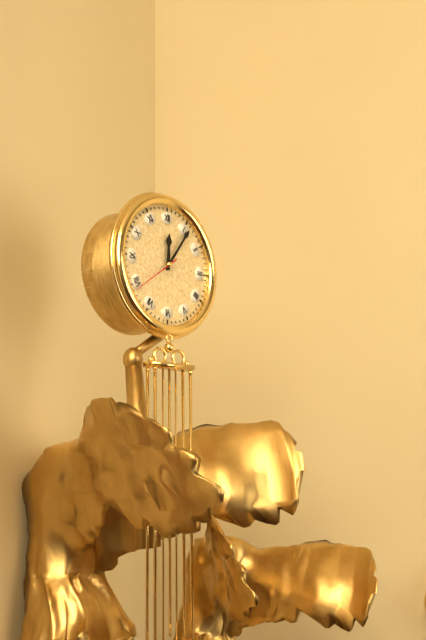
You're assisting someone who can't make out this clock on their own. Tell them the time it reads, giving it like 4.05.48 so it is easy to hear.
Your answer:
12.06.39
